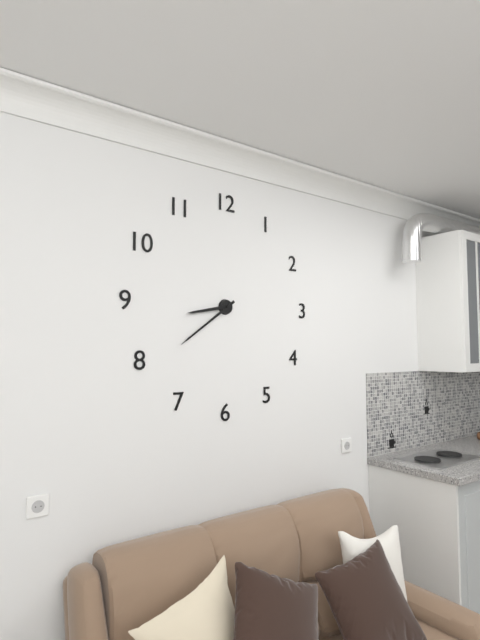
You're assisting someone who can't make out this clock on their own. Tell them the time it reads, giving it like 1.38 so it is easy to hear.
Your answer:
8.39
